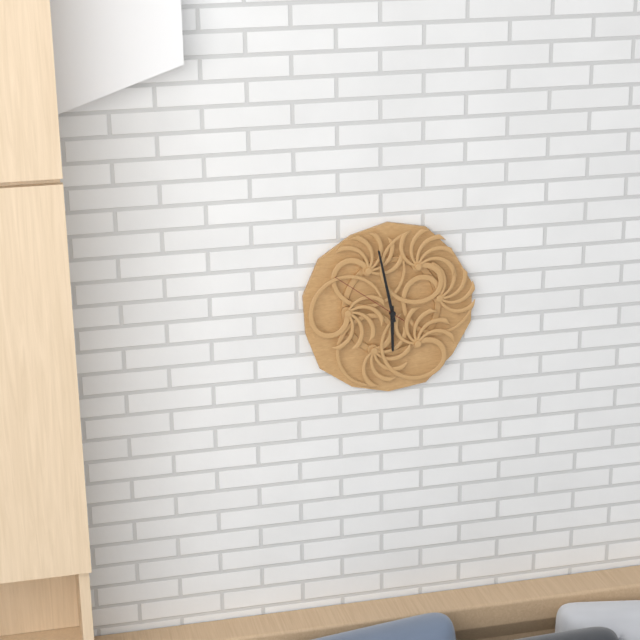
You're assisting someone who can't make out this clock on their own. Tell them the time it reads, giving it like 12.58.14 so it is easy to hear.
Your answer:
5.58.51
